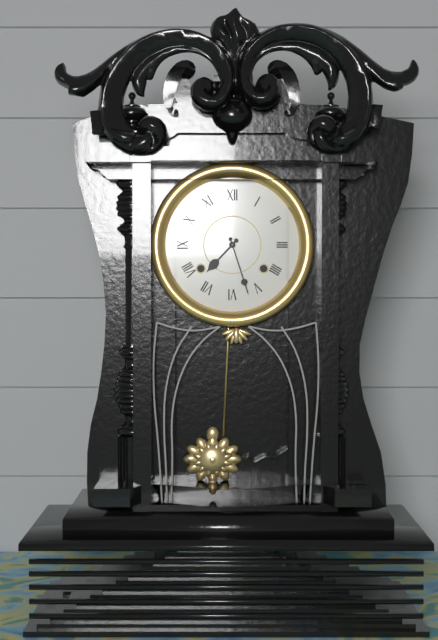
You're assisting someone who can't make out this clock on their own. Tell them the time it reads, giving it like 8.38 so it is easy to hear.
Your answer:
7.27
